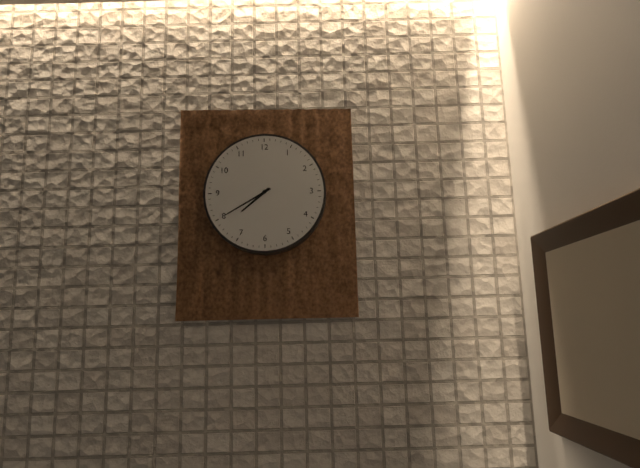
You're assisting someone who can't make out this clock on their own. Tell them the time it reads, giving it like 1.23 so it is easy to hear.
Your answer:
7.40
